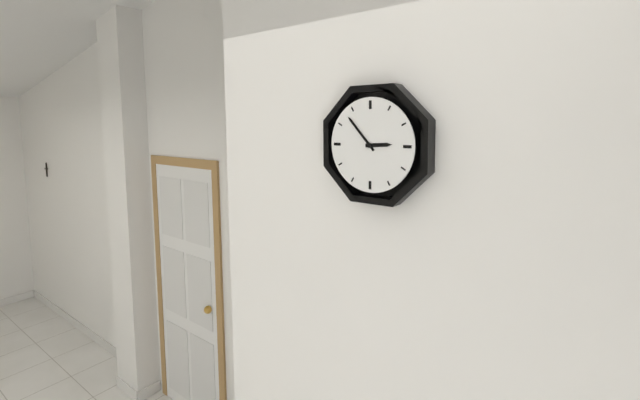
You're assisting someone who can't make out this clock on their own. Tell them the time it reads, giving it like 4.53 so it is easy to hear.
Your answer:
2.53
